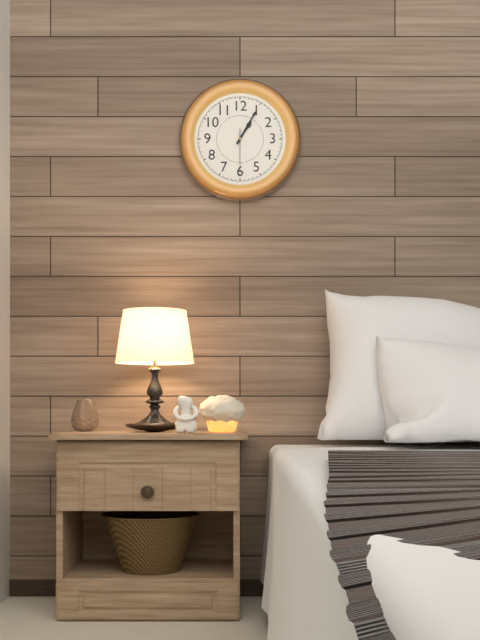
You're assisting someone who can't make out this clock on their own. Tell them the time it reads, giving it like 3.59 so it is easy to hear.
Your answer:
1.05
